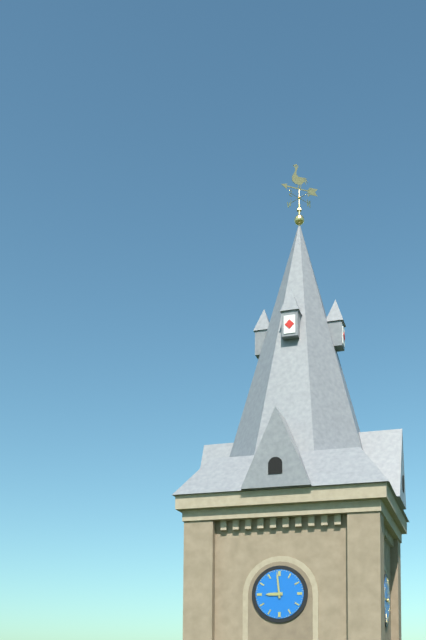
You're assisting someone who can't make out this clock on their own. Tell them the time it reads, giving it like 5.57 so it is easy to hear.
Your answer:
8.59
